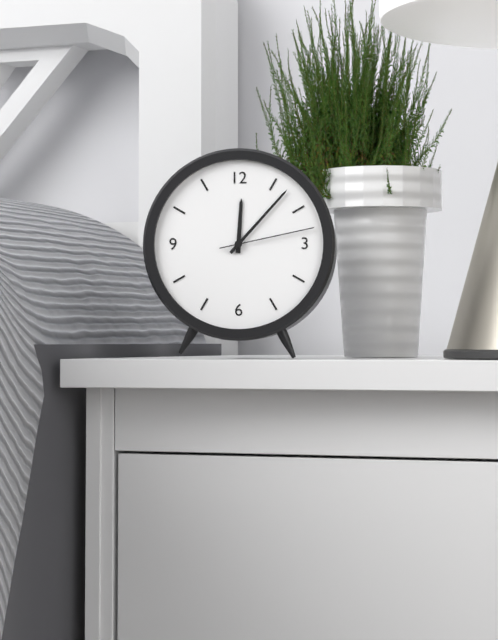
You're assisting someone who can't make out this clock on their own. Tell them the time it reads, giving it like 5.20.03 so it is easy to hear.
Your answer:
12.07.13
